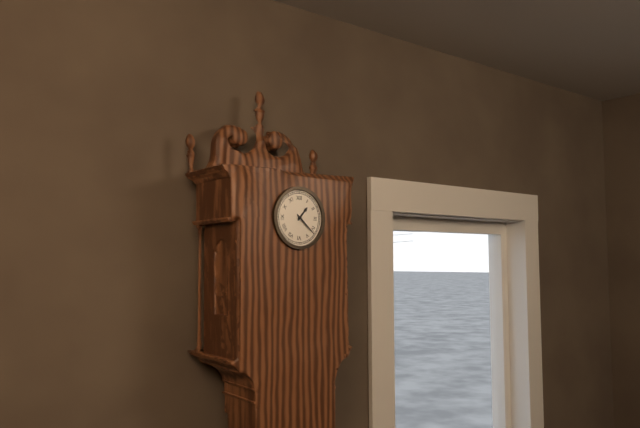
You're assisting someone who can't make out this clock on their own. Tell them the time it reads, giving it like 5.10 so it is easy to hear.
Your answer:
1.22
